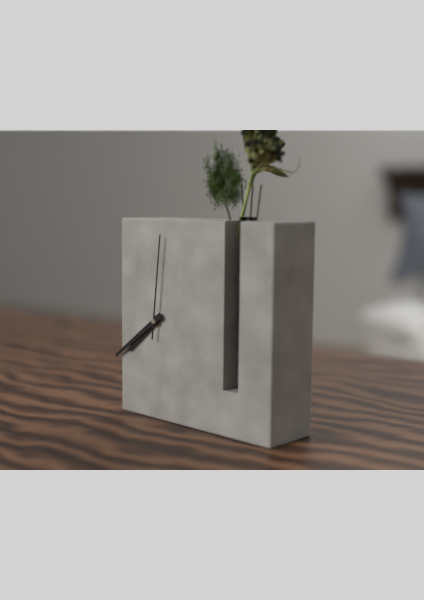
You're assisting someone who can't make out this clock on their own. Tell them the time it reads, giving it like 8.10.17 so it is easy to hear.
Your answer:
7.39.01
